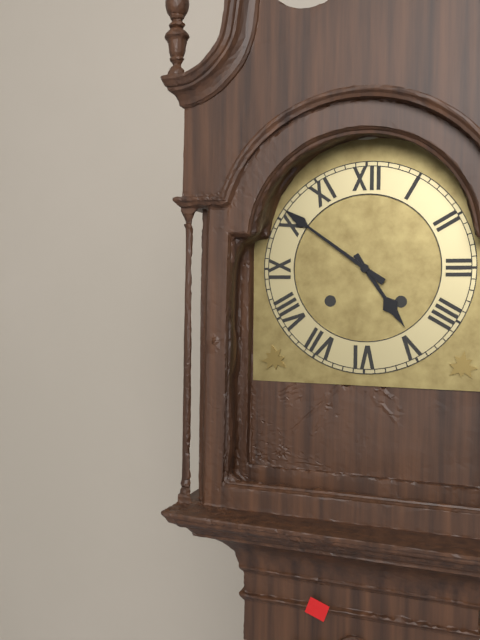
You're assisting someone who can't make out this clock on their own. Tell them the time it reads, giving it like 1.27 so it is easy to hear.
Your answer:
4.51
